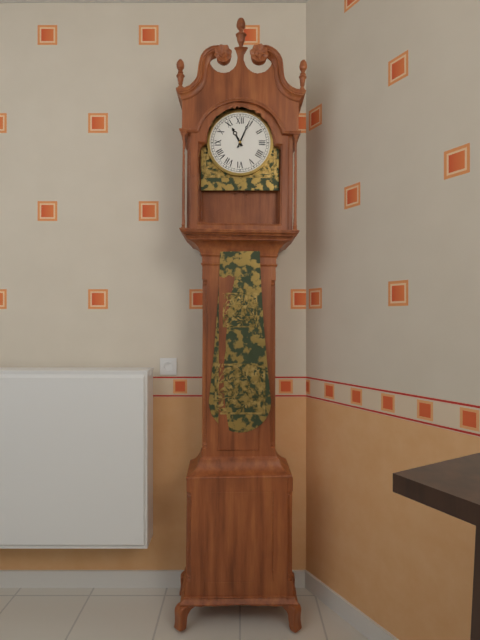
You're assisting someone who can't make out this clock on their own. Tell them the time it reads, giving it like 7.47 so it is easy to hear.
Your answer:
11.04
